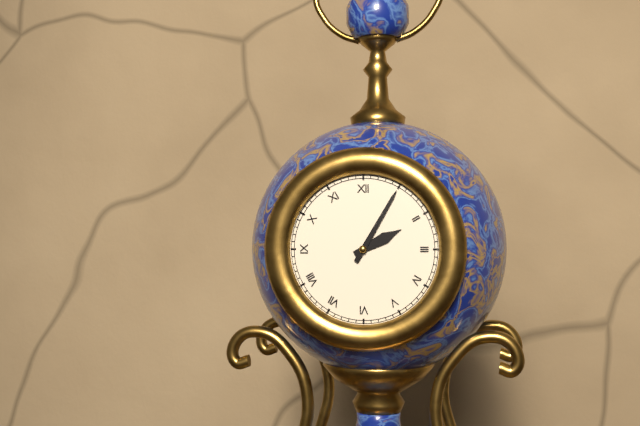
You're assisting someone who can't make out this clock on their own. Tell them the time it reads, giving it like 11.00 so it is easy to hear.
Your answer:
2.05
